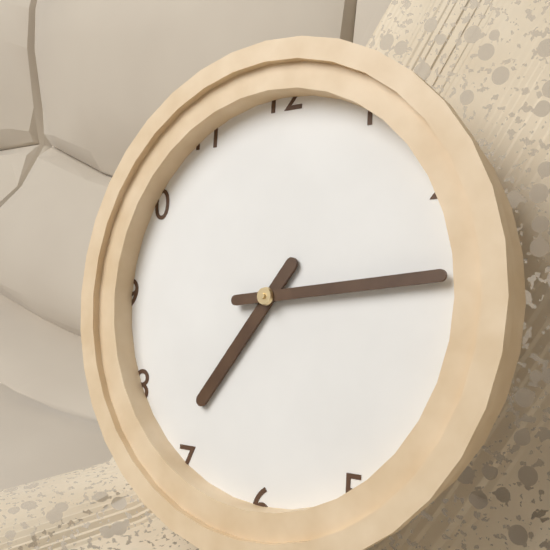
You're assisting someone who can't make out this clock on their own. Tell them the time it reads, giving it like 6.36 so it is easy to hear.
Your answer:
7.14
